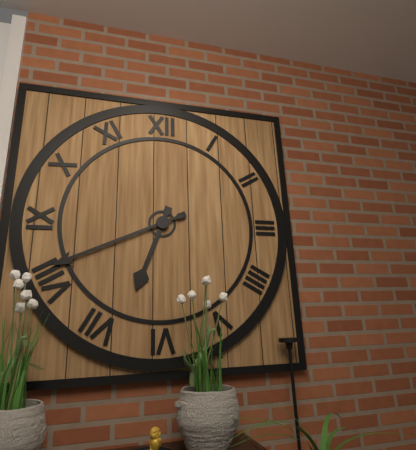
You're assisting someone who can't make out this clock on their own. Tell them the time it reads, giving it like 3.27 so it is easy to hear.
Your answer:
6.41
